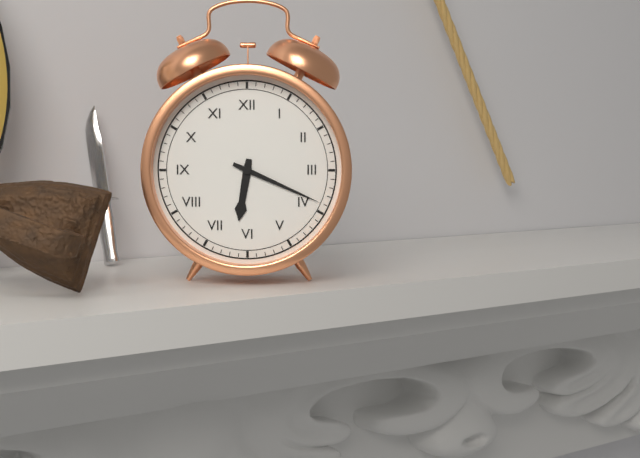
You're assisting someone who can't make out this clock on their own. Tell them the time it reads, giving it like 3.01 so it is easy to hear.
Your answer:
6.19
